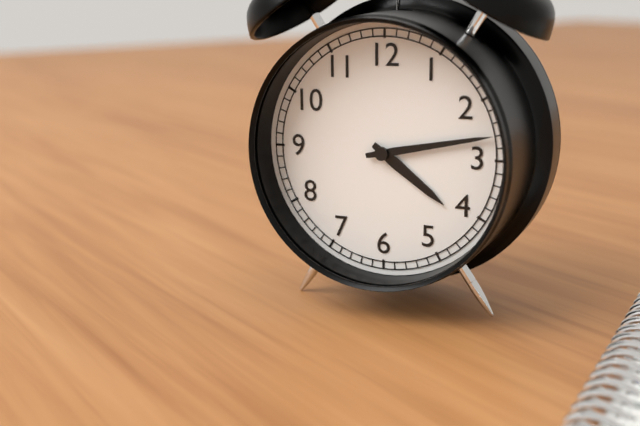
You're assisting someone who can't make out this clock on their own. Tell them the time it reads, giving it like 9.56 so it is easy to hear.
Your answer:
4.13
